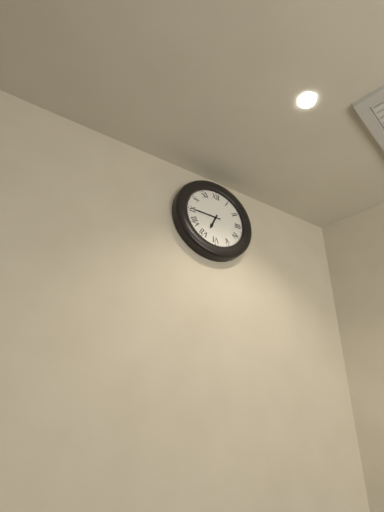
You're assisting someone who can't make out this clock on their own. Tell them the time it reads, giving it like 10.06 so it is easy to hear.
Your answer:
6.45
